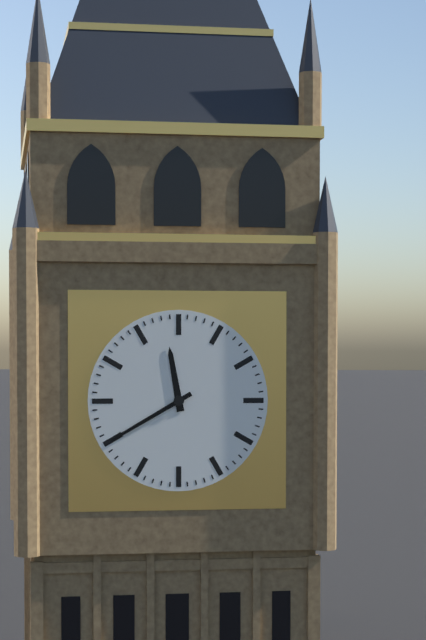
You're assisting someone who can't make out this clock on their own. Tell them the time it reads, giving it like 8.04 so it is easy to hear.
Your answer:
11.40
